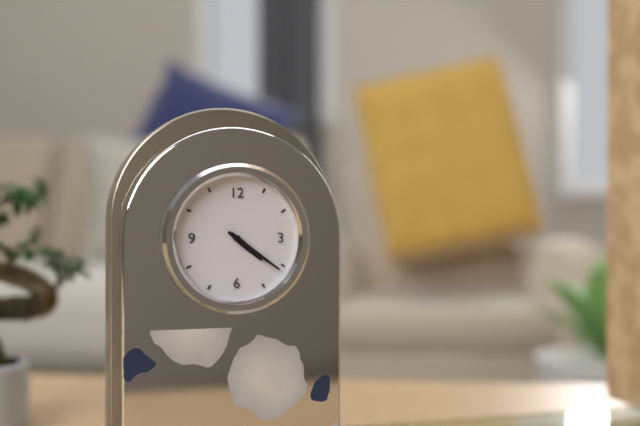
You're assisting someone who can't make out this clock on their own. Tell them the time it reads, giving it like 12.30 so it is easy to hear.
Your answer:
4.21
